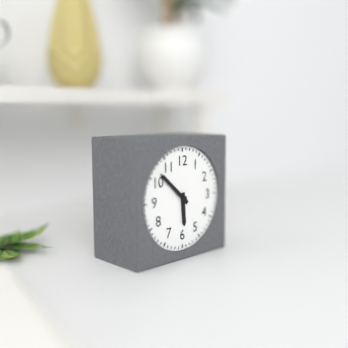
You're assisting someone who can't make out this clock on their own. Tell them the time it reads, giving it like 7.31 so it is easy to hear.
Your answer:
5.52
